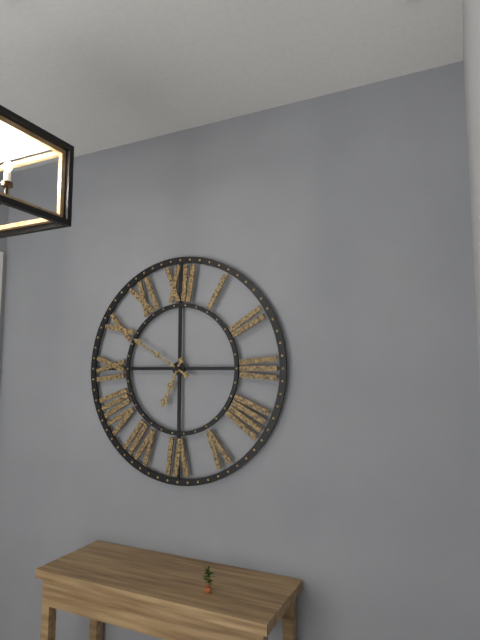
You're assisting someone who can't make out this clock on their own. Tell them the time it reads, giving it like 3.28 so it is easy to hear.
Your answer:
6.50
